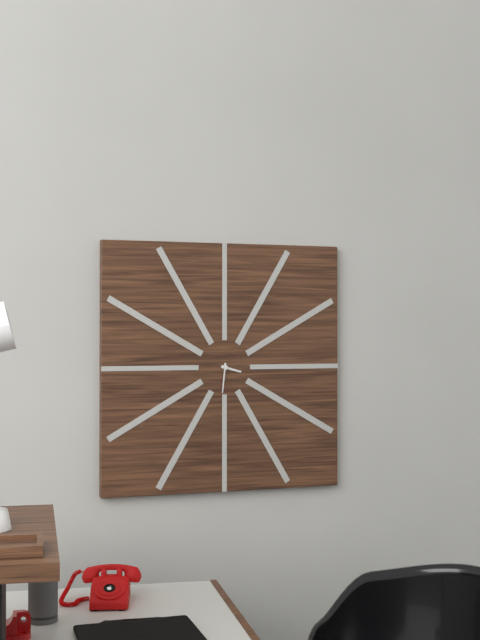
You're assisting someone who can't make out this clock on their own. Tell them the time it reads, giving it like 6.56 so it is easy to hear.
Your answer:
3.31
